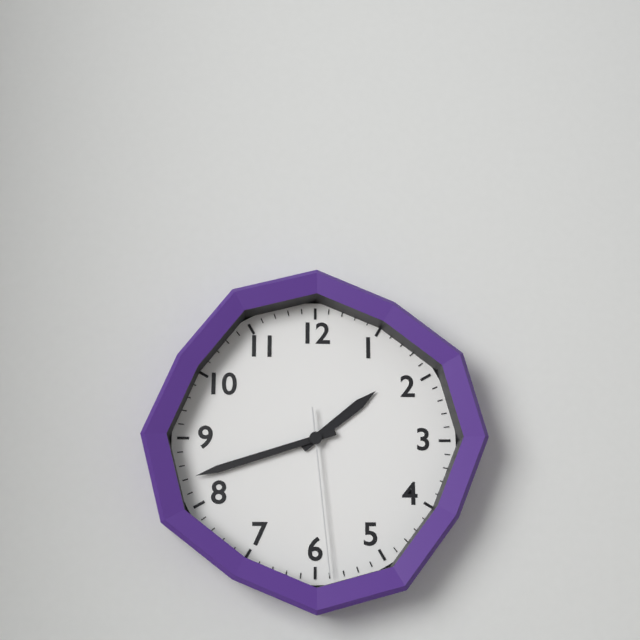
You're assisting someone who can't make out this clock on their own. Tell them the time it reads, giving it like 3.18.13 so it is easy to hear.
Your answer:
1.42.29
